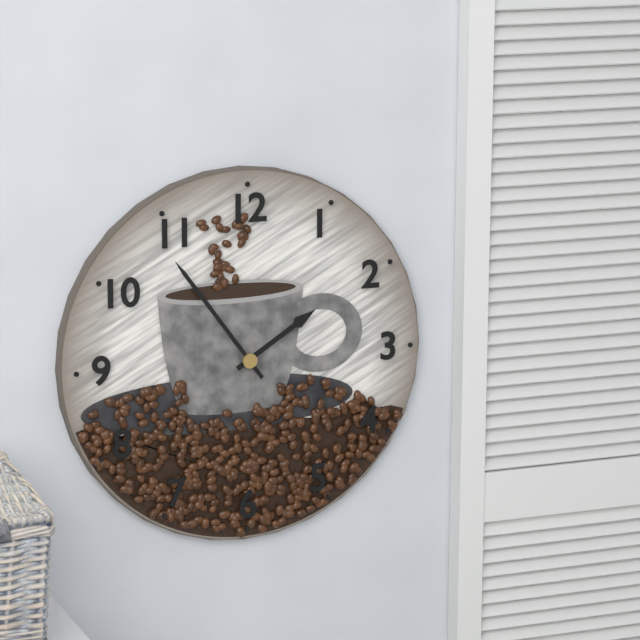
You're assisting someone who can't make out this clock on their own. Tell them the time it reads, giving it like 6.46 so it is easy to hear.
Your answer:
1.54
